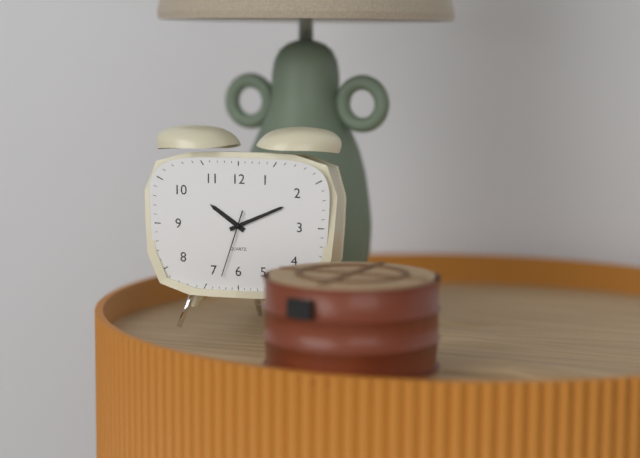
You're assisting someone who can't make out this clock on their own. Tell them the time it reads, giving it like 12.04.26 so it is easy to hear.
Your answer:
10.11.33
